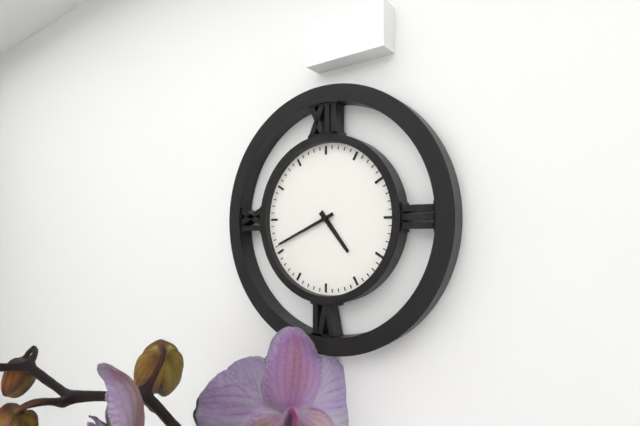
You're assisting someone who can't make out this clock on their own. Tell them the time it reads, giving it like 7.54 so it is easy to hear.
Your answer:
4.41
